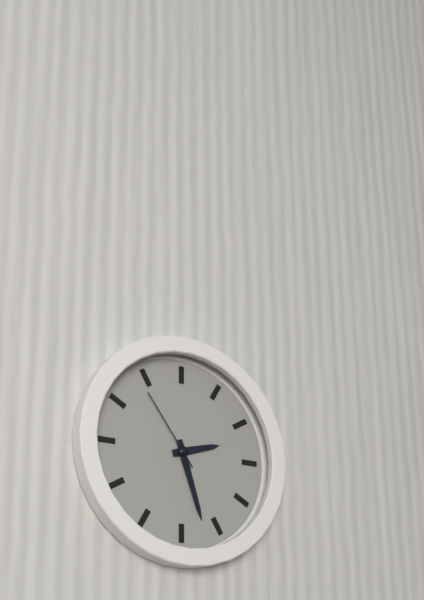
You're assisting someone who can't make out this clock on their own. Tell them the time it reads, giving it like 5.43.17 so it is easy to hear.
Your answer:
2.27.54
